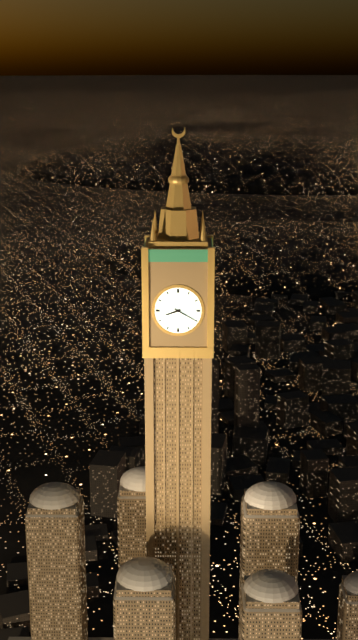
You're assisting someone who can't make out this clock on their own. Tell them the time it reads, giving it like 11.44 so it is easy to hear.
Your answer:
8.20
